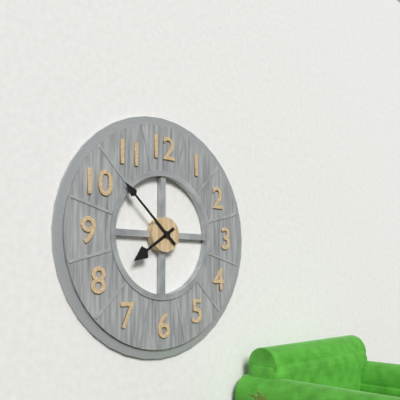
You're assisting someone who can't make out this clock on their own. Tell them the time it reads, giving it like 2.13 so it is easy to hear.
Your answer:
7.52
